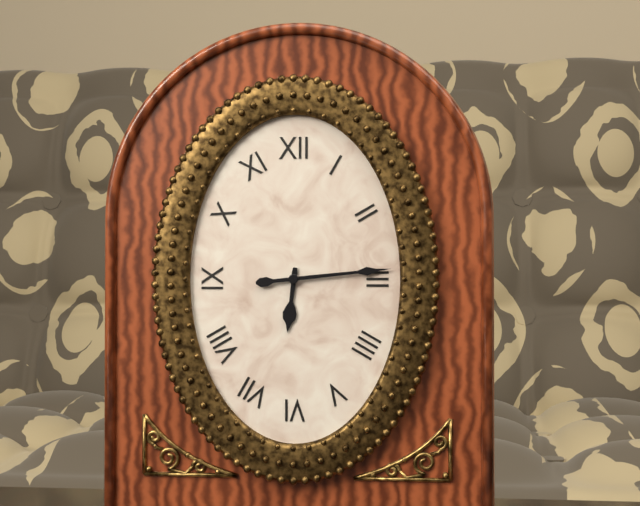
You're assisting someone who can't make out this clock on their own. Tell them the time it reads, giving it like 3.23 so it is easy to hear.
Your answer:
6.14
